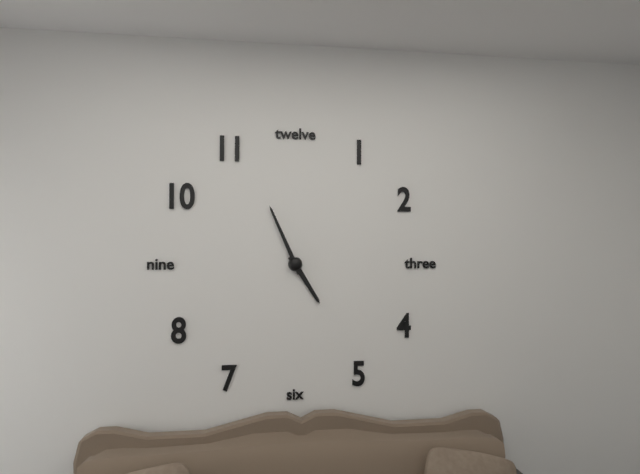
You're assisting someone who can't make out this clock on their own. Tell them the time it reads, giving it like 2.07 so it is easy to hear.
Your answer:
4.56
